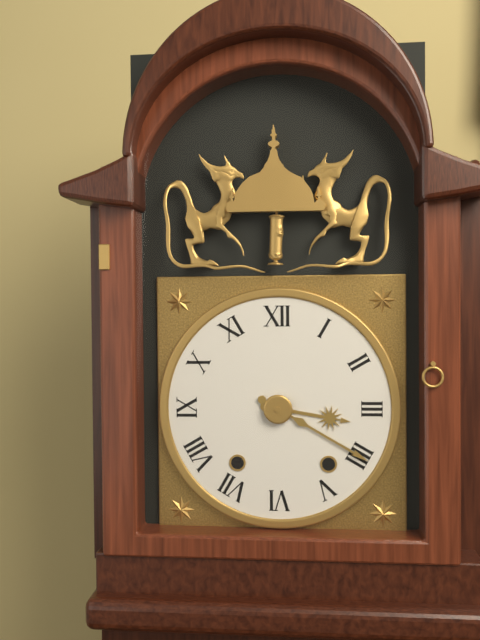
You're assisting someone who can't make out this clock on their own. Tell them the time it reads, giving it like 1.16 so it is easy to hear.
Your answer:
3.20
